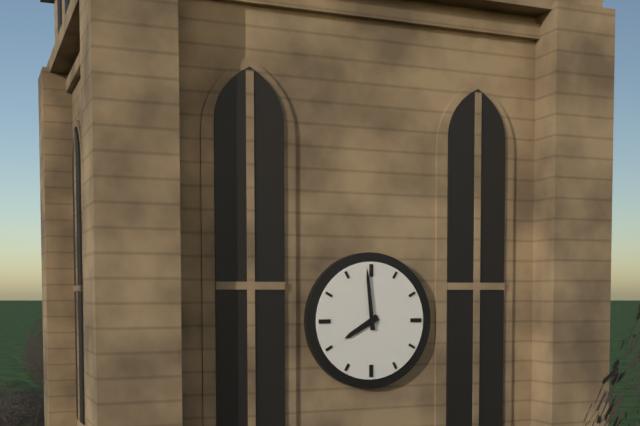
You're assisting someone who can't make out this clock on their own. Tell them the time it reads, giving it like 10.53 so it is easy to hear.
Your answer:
7.59
